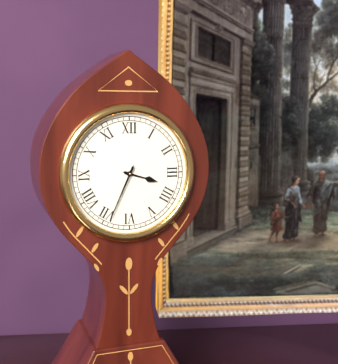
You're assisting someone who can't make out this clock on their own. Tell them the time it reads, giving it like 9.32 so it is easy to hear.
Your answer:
3.34
